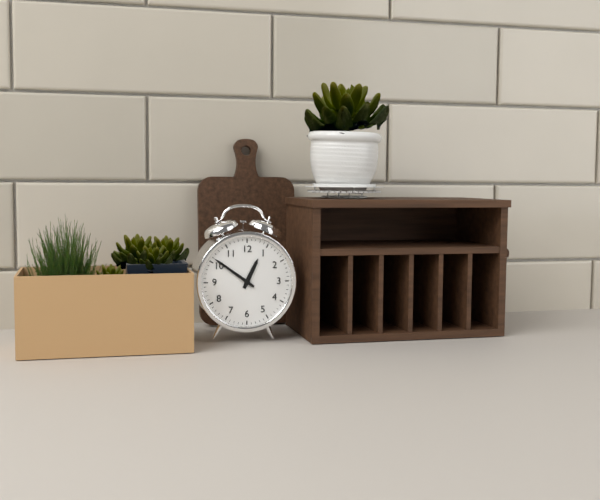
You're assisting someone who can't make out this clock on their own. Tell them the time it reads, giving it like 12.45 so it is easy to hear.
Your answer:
12.51
